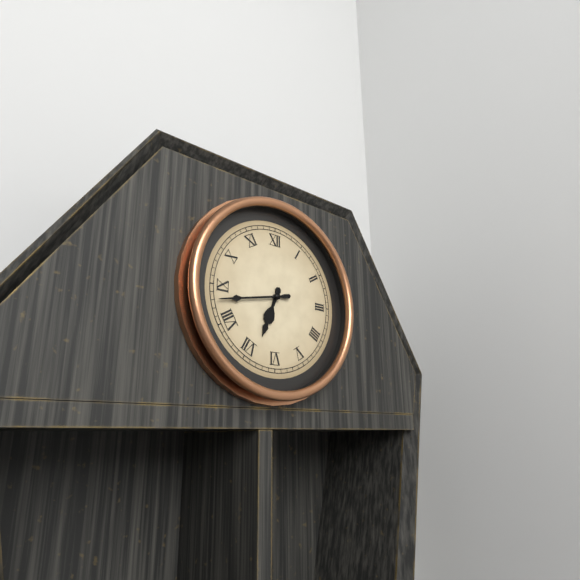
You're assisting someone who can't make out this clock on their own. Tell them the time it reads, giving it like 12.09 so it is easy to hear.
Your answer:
6.43
